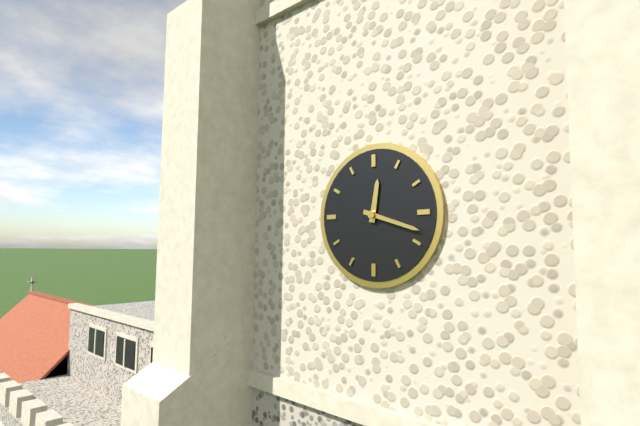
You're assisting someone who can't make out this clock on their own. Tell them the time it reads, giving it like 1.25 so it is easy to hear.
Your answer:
12.18
